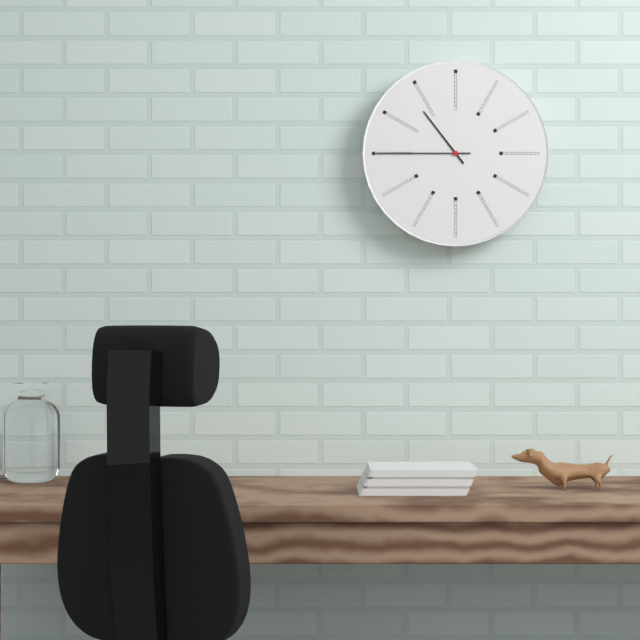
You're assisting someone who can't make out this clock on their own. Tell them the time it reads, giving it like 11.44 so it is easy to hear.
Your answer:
10.45
